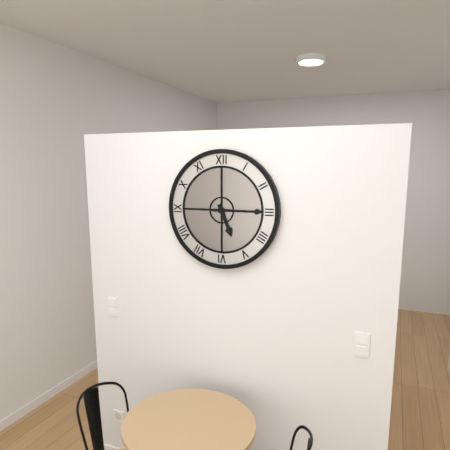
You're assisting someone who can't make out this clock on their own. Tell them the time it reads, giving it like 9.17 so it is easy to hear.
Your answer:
5.15
